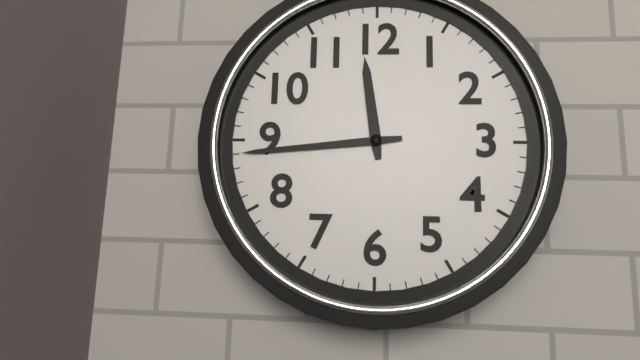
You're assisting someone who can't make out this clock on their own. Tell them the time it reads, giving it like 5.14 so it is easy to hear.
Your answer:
11.44
